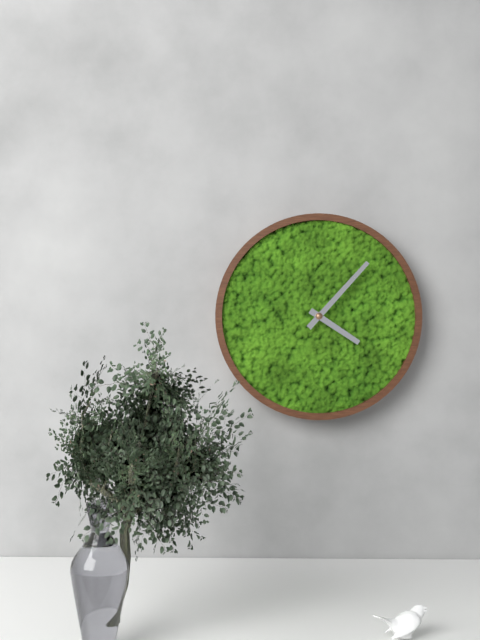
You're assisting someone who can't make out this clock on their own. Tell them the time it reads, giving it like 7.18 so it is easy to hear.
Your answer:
4.07
